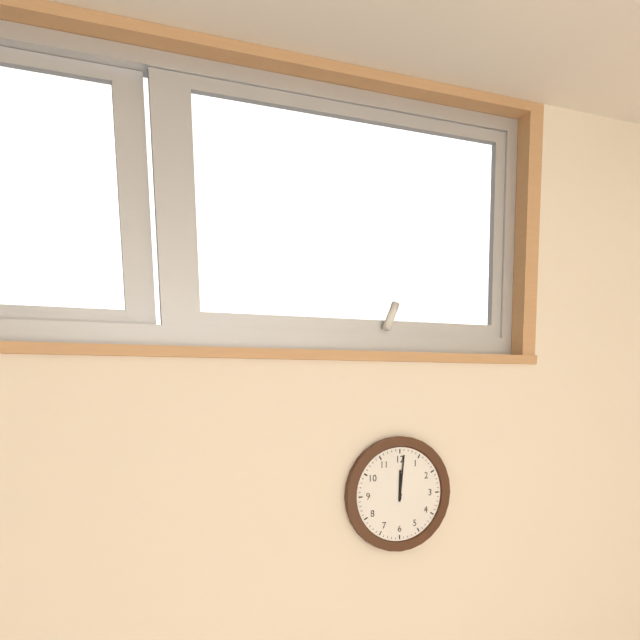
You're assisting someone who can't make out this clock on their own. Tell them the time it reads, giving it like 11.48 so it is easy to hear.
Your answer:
12.01
